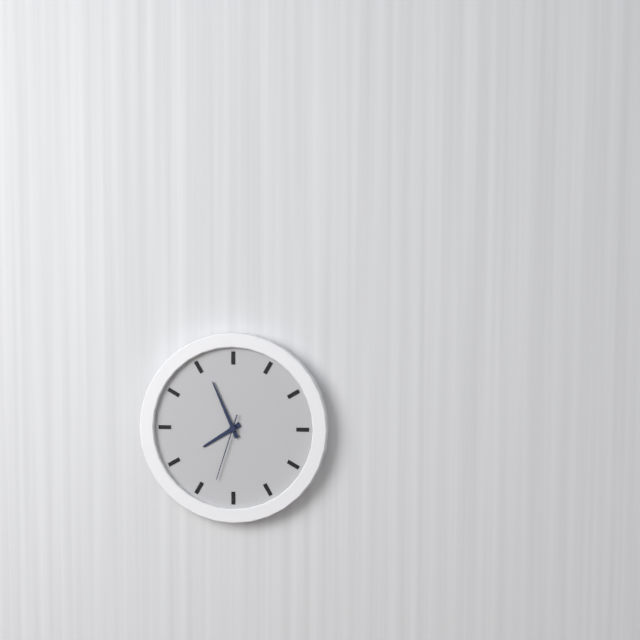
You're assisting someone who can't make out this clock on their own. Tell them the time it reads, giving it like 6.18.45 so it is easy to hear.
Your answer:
7.56.33
